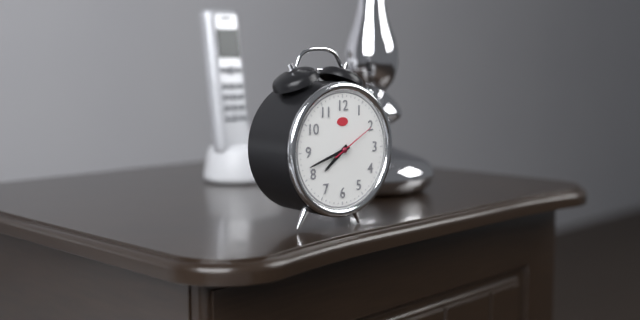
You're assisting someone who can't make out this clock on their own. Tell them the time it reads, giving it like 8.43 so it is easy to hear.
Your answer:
7.42
